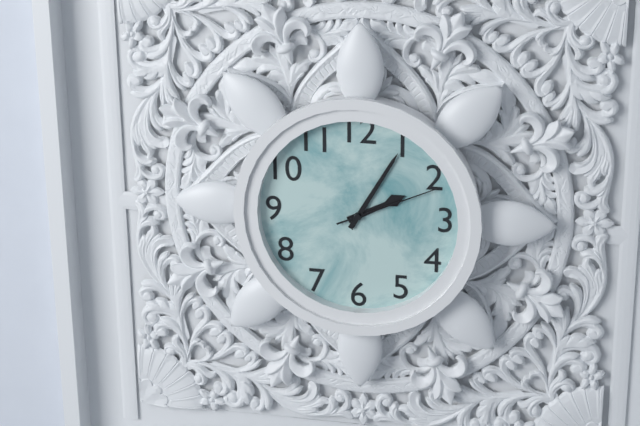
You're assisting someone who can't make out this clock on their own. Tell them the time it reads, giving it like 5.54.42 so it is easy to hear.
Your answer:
2.05.11
